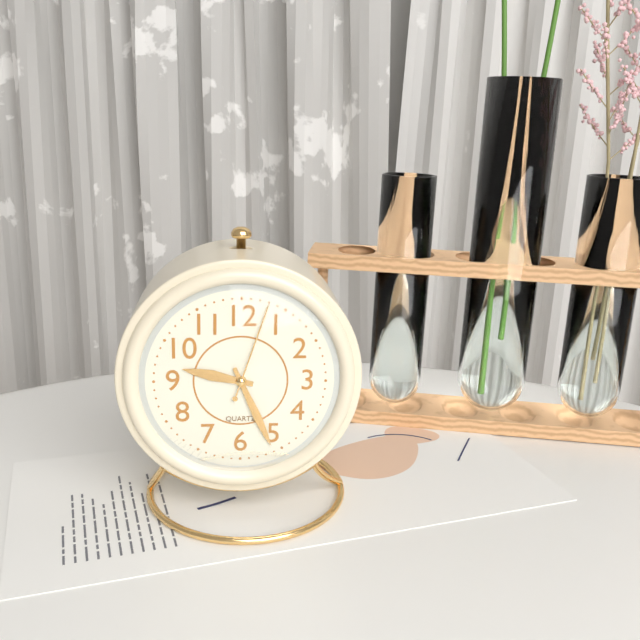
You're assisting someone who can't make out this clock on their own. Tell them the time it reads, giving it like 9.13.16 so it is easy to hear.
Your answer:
9.26.03
